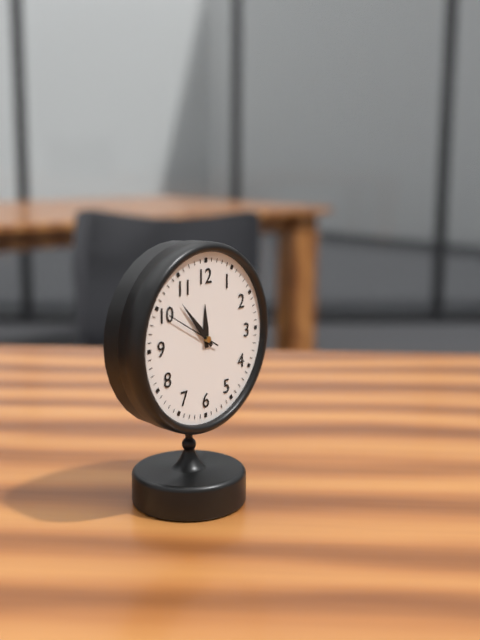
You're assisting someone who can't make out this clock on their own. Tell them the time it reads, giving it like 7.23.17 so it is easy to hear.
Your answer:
11.53.50
